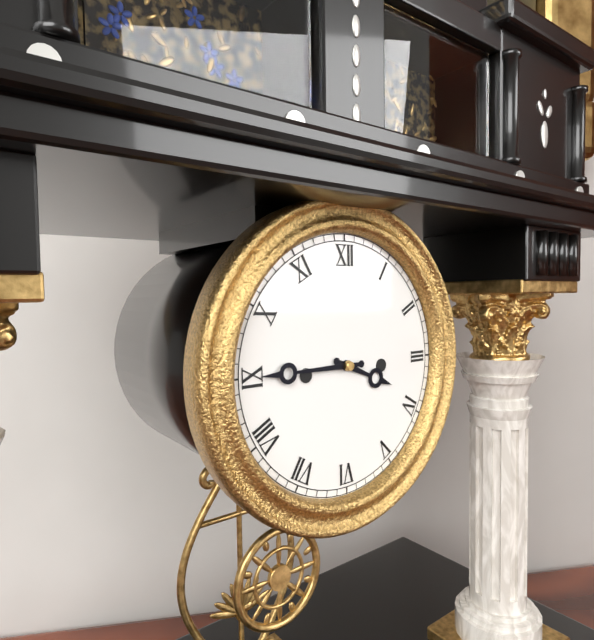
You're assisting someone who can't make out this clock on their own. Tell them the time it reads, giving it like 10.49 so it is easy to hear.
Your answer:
3.45
